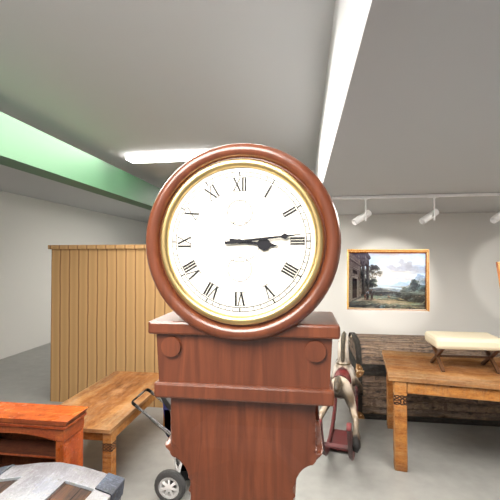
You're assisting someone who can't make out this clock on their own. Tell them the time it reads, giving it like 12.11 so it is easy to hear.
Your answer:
3.14
